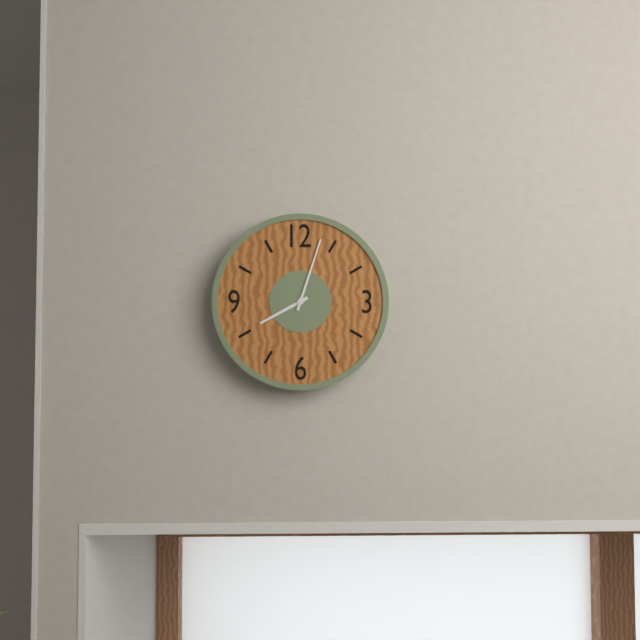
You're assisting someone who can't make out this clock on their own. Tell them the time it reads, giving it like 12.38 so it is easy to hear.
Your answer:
8.03
